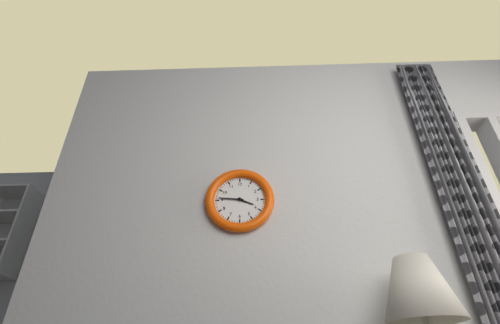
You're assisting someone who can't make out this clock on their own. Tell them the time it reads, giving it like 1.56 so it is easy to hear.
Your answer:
3.46
